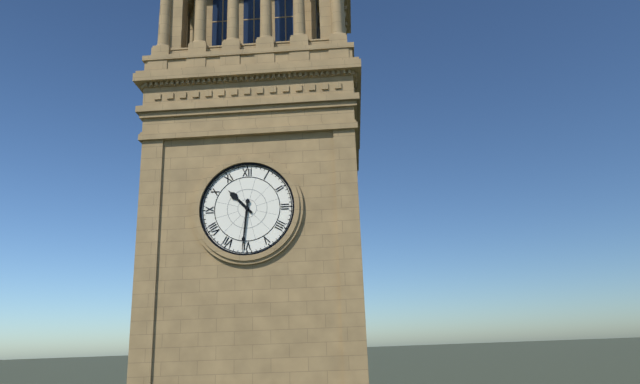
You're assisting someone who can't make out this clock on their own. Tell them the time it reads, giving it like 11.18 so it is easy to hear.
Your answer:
10.31
